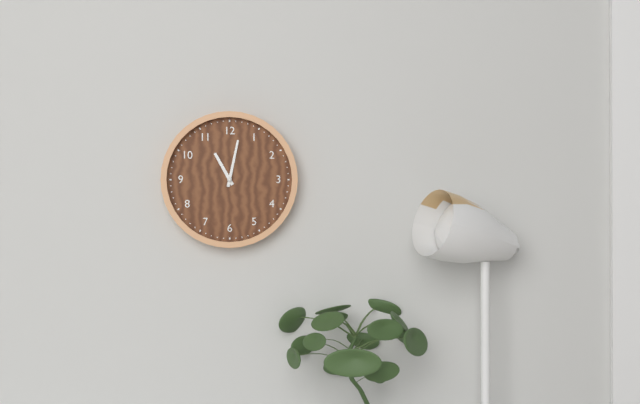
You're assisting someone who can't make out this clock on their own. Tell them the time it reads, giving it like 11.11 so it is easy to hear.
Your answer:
11.02
